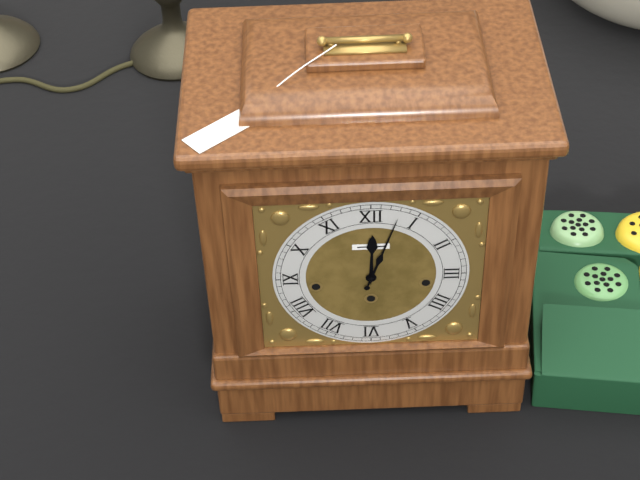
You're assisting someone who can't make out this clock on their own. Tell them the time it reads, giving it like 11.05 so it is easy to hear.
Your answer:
12.03
